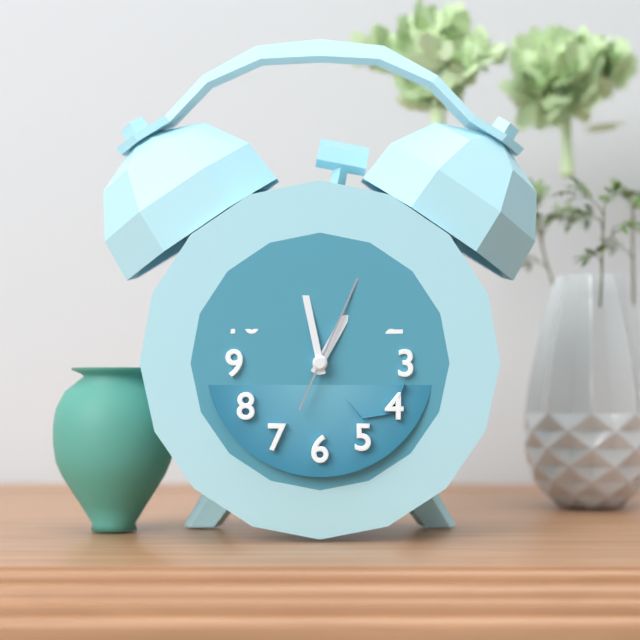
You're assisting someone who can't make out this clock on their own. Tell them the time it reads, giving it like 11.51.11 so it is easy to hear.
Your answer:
12.58.04
